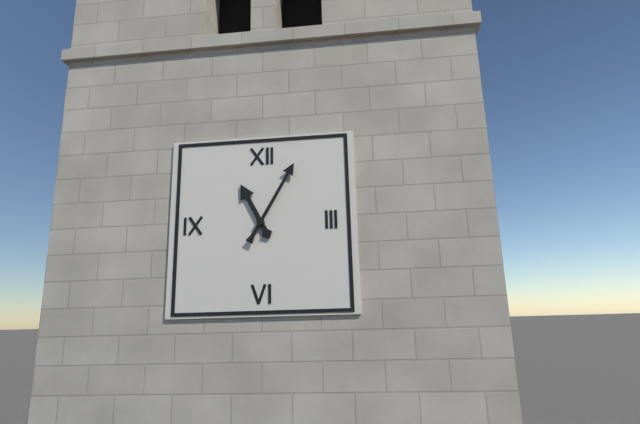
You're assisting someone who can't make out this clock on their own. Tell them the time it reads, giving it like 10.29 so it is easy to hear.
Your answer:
11.05
